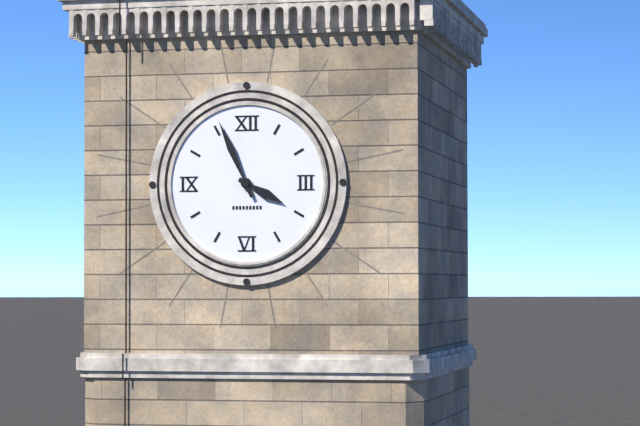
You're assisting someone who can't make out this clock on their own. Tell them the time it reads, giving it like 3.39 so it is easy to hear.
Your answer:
3.56
